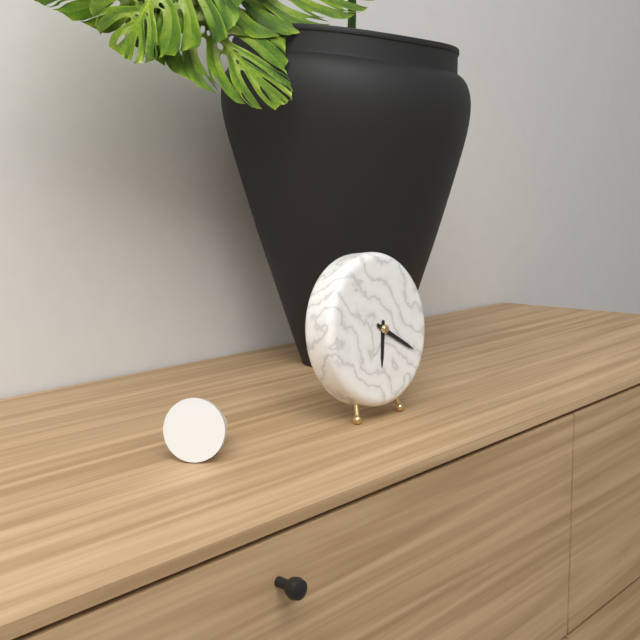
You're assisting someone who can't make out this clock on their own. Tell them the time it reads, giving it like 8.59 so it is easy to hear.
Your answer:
6.20
